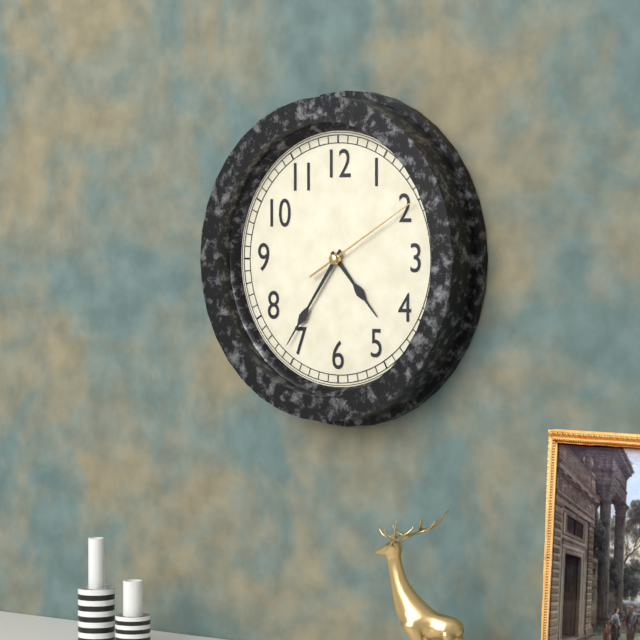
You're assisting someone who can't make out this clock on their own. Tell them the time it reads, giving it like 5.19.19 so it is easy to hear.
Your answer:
4.36.10
